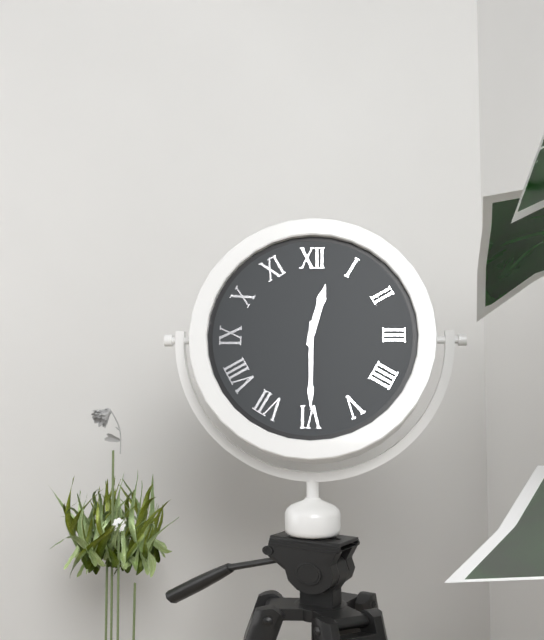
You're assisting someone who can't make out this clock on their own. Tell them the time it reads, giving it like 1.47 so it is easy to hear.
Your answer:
12.30
